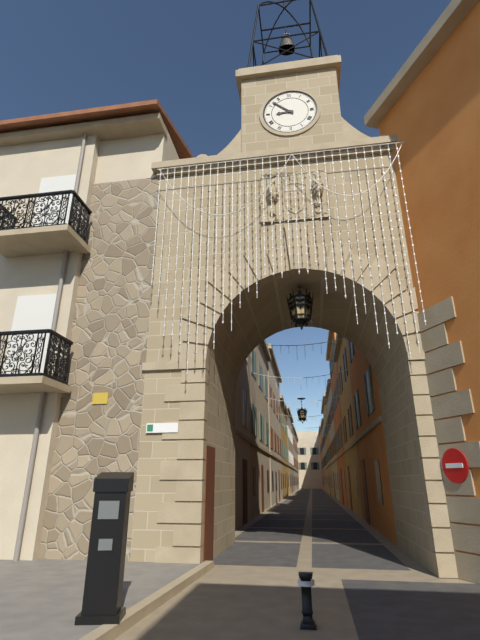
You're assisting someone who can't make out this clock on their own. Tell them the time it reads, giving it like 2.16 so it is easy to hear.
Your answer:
8.52
